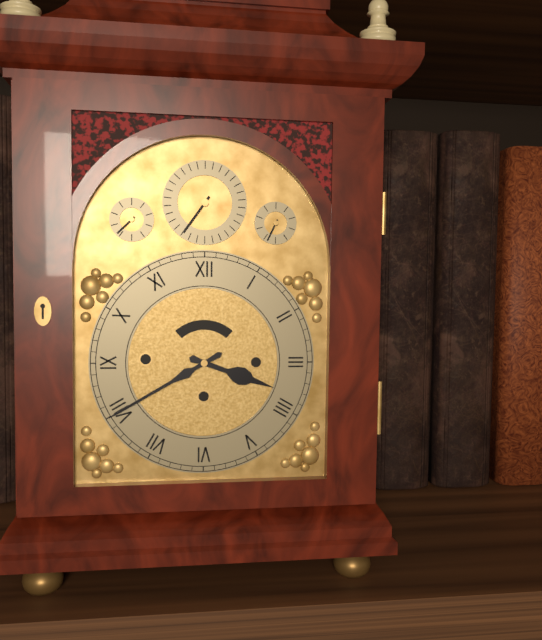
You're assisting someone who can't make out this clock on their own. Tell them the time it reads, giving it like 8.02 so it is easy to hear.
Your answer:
3.40
